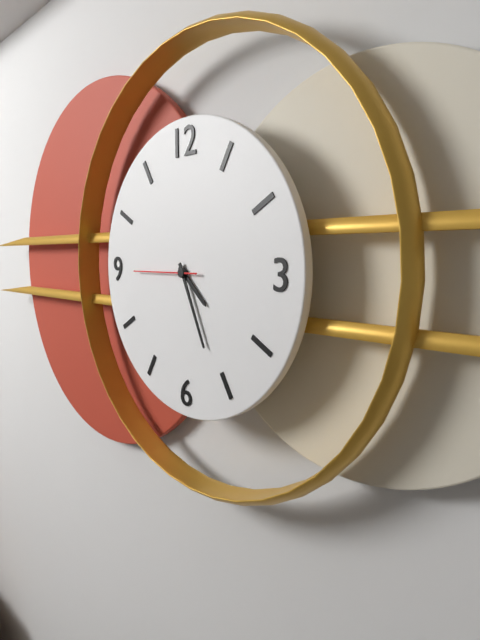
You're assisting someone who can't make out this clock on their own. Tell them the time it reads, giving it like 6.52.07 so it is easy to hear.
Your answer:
4.26.45
